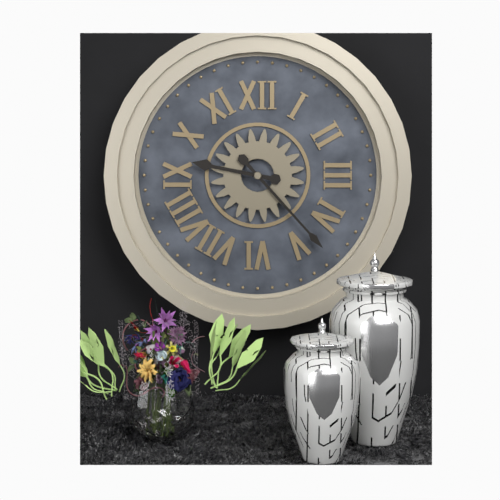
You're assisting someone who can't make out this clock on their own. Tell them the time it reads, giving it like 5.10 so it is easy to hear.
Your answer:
9.23
